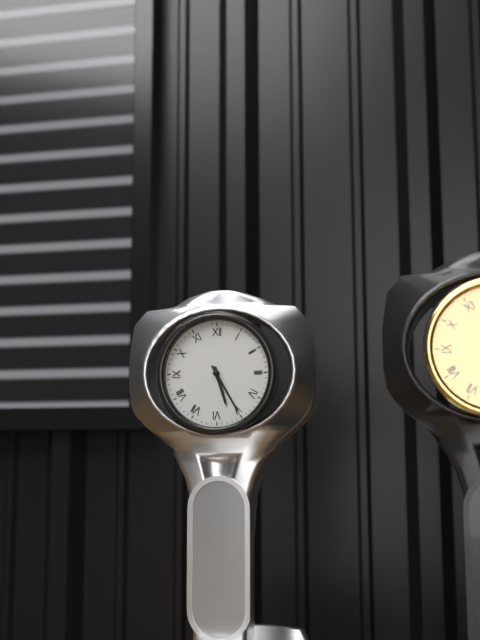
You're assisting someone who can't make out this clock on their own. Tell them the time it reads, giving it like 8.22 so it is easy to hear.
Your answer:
5.25
